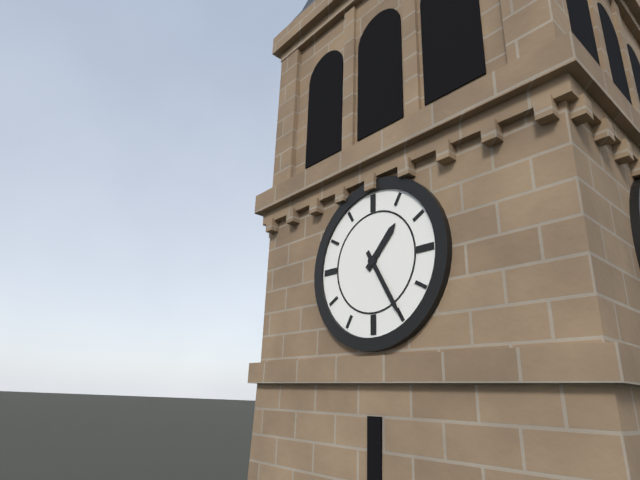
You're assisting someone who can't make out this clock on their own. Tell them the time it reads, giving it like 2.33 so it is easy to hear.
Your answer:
1.25
